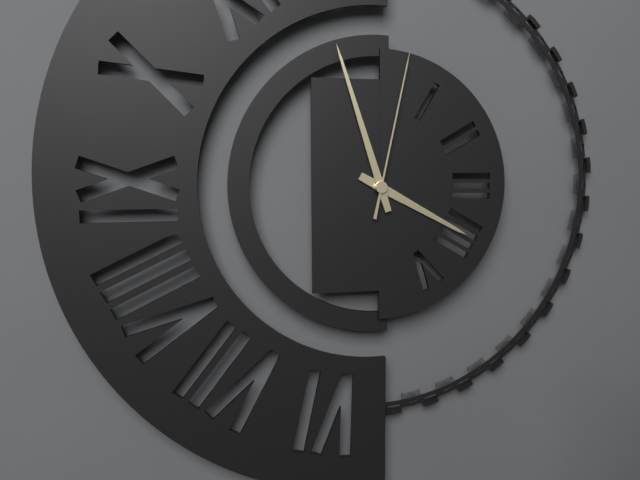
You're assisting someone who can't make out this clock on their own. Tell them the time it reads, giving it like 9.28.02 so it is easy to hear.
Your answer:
3.57.02
